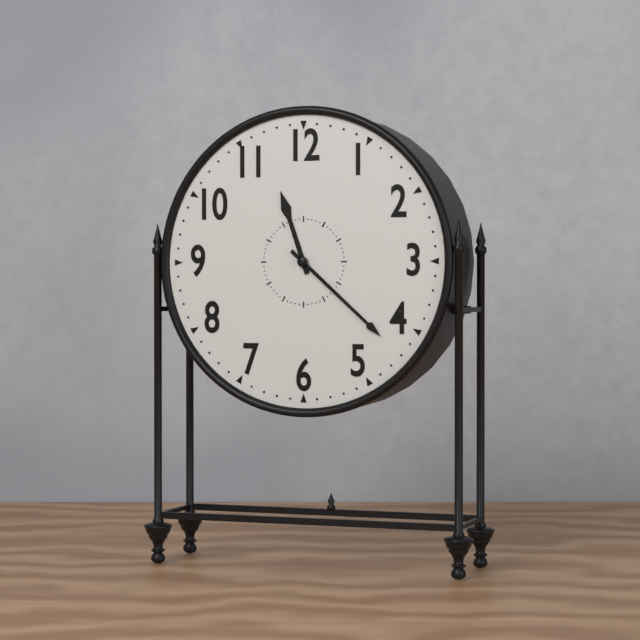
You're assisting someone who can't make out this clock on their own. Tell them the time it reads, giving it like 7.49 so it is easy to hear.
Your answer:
11.22
